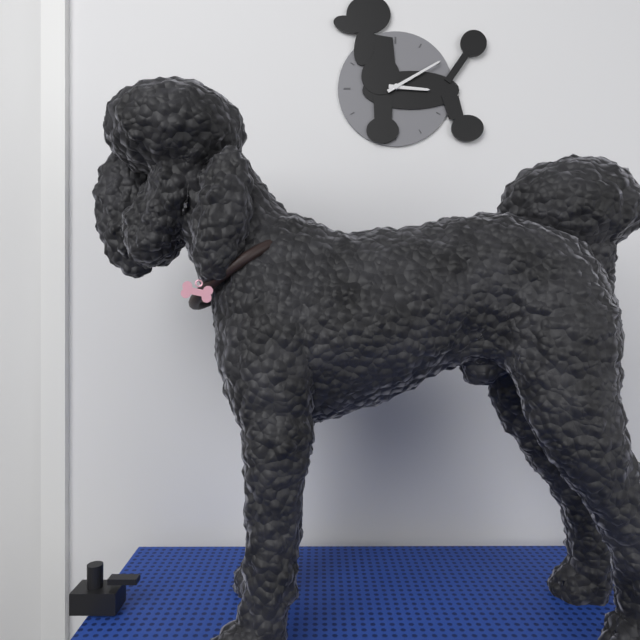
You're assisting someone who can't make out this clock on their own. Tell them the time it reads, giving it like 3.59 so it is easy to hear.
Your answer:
3.10
